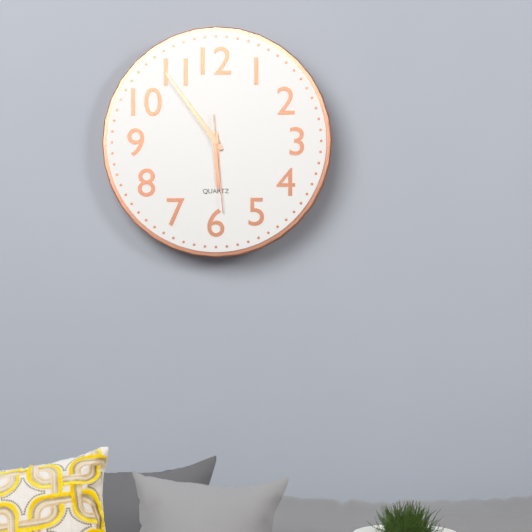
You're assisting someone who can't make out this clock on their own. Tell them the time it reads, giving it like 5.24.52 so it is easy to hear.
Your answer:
5.54.29
